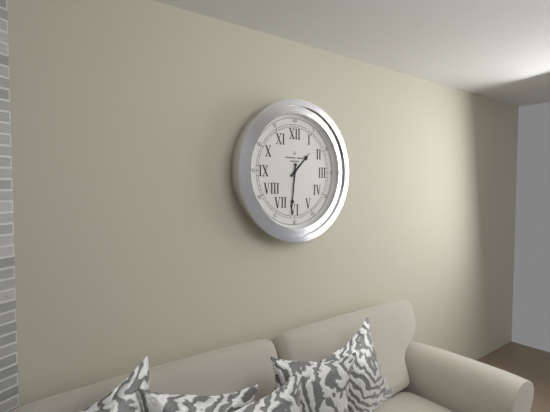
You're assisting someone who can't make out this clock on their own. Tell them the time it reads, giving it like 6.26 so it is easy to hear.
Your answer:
1.31
